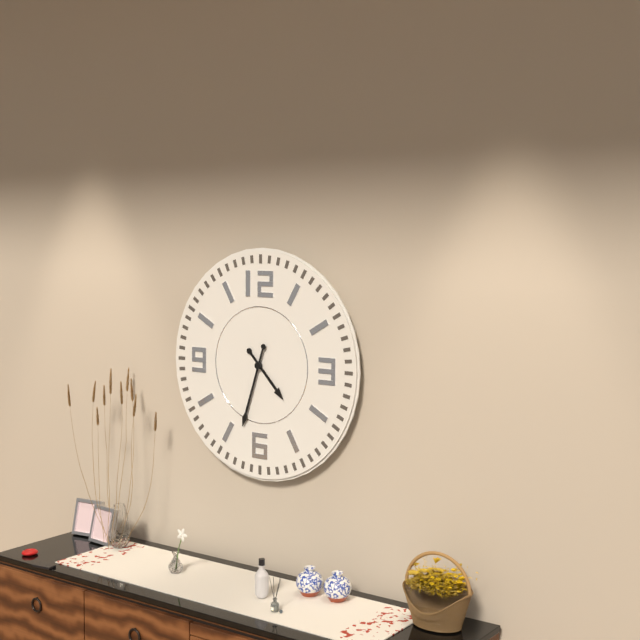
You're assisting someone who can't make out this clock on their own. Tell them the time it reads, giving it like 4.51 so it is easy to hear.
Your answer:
4.33
